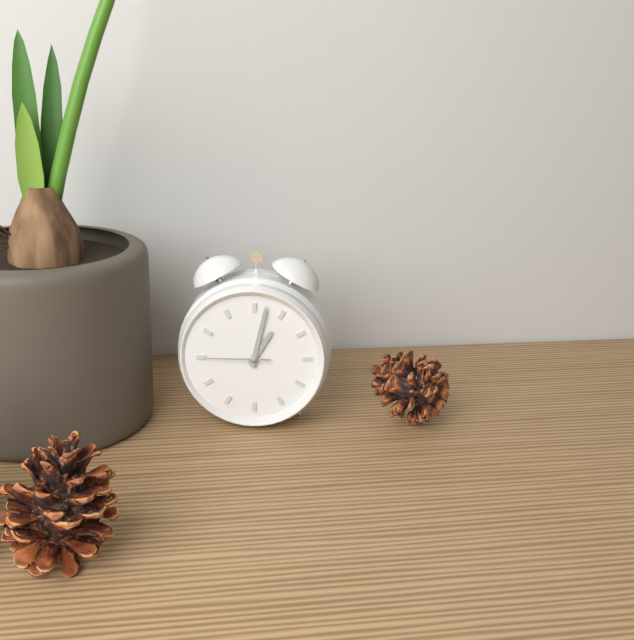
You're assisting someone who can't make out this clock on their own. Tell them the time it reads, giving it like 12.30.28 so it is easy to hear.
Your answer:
1.02.45
